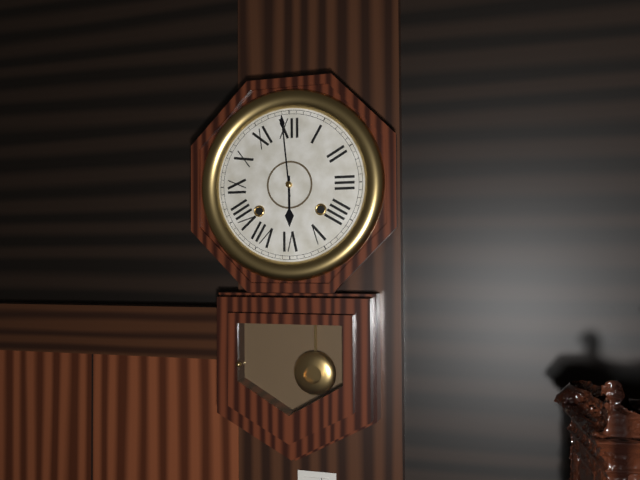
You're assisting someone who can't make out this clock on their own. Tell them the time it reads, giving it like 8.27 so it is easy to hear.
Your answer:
5.59
